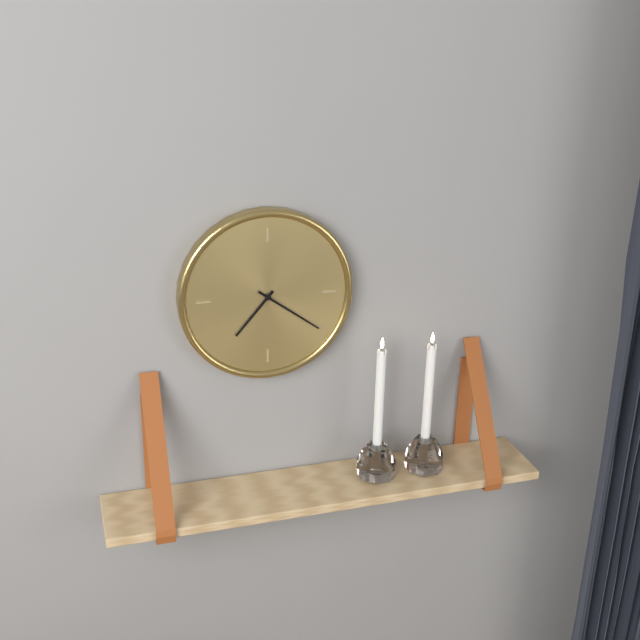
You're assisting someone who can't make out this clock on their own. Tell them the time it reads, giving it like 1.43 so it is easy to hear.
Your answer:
7.21
